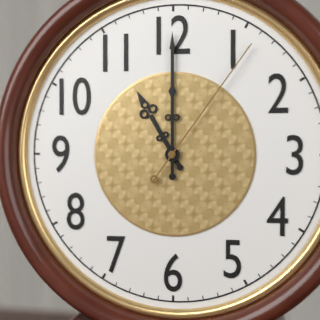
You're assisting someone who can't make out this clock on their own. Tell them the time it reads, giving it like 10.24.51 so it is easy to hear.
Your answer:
11.00.06
